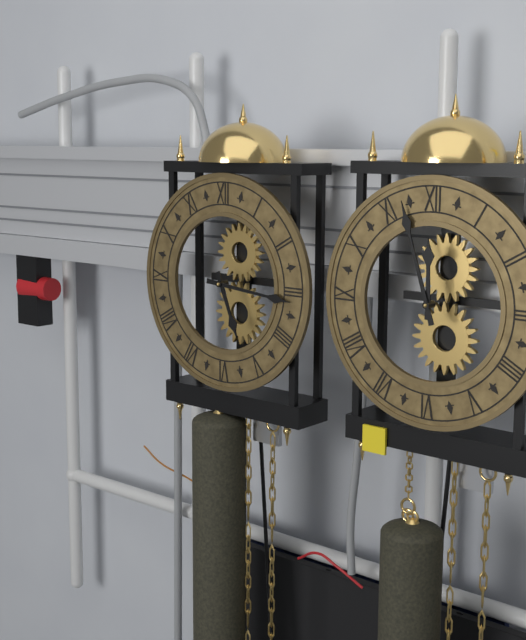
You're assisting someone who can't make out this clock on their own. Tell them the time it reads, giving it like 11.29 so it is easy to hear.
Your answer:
5.16
